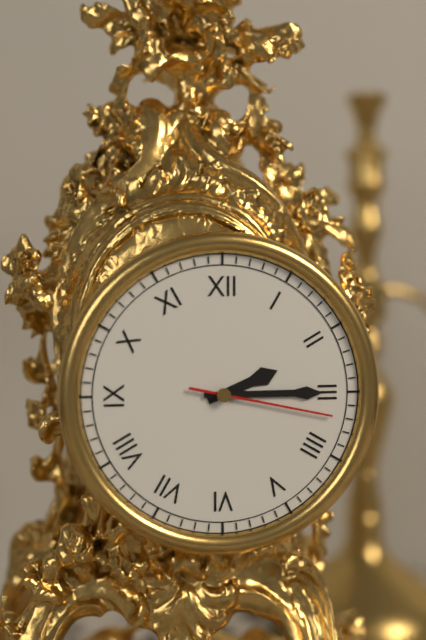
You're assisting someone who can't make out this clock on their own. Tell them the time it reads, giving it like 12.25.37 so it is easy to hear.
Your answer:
2.15.17
